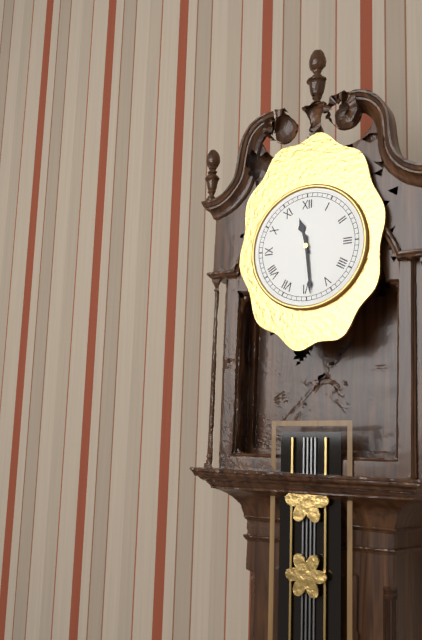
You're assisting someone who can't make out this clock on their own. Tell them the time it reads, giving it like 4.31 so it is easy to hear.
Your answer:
11.29
